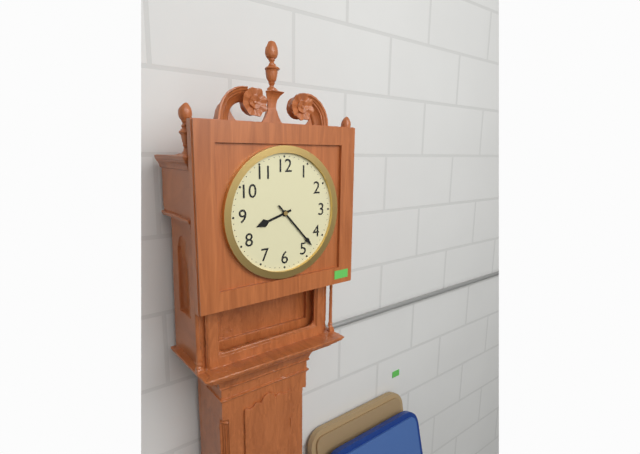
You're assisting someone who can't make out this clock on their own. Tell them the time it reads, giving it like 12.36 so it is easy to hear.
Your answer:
8.23
